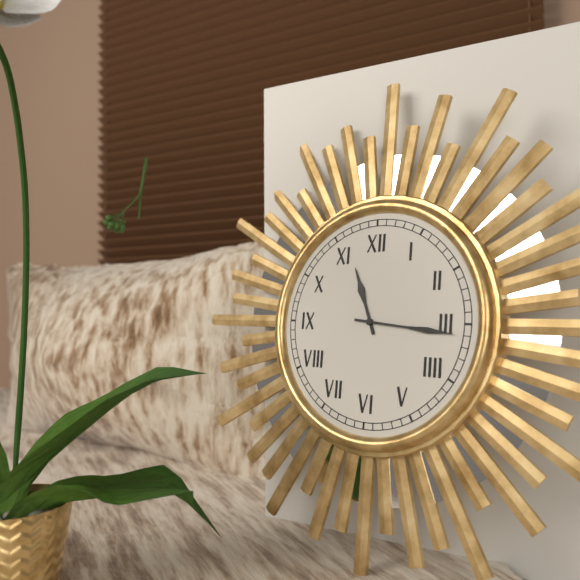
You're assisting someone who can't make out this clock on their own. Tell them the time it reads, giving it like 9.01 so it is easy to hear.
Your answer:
11.16
